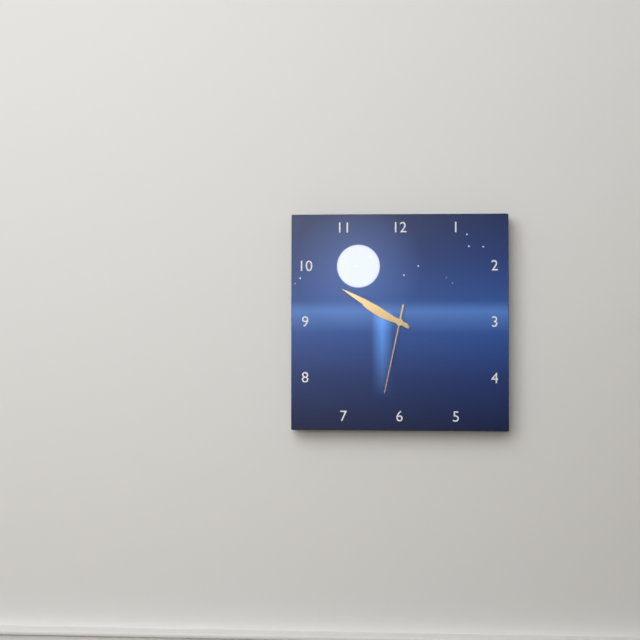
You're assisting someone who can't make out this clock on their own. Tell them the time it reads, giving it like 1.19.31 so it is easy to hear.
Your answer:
9.50.32
